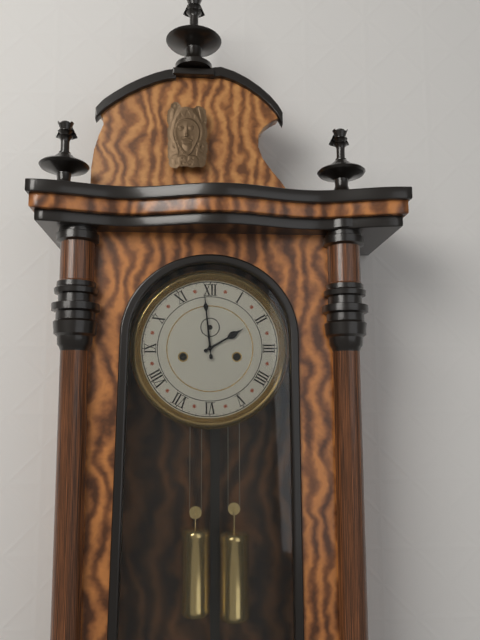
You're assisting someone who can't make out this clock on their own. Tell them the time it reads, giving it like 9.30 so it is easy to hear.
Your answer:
1.59
